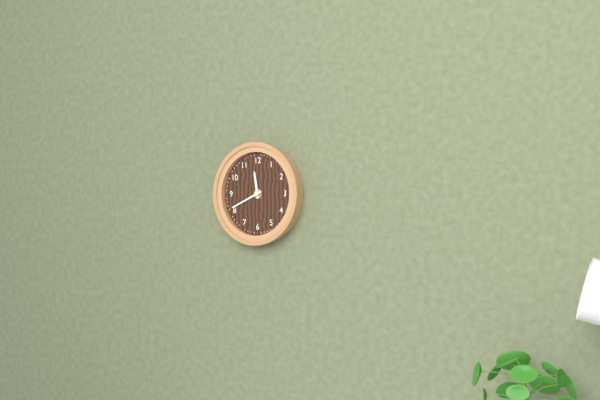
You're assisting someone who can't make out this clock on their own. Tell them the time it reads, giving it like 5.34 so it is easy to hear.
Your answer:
11.41
